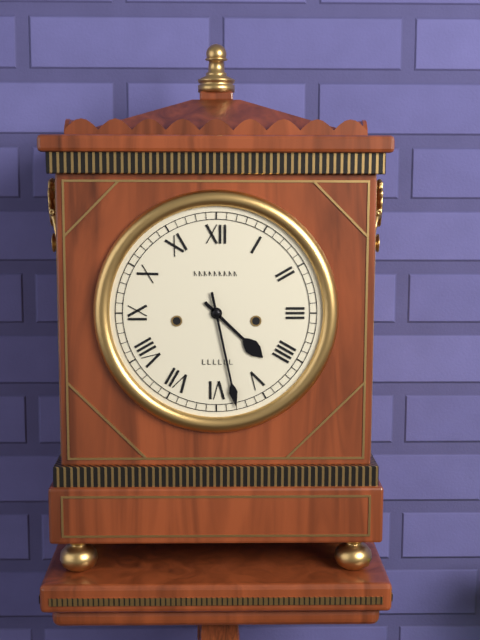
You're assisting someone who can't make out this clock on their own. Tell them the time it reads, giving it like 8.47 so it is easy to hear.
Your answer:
4.28
